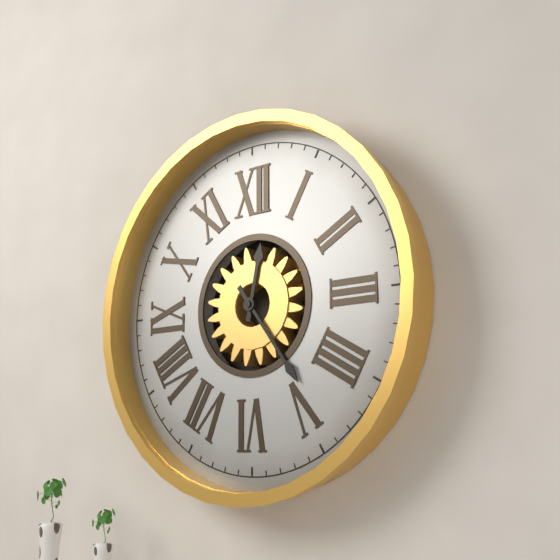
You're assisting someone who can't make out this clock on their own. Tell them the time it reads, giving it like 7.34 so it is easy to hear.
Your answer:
12.24
